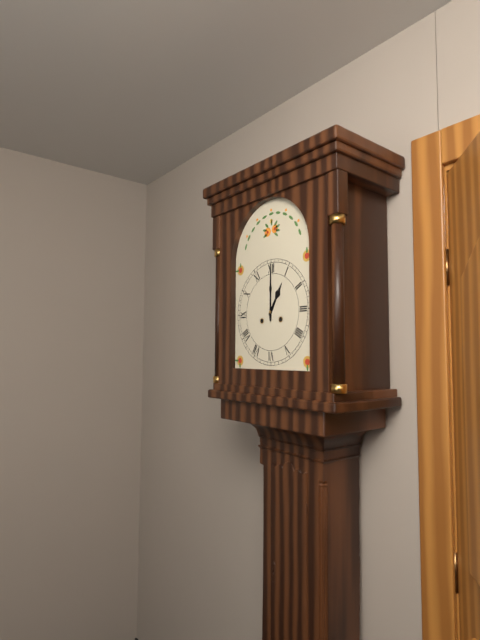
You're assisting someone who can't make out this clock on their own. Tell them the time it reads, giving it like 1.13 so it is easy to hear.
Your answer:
1.00
